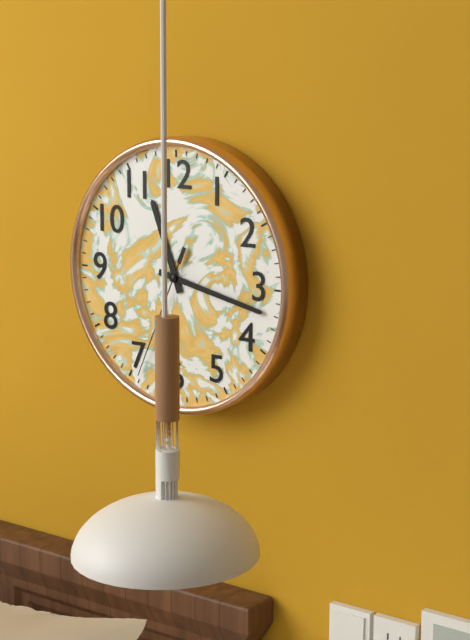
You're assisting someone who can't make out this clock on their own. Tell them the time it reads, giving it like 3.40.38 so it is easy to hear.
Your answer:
11.17.34
